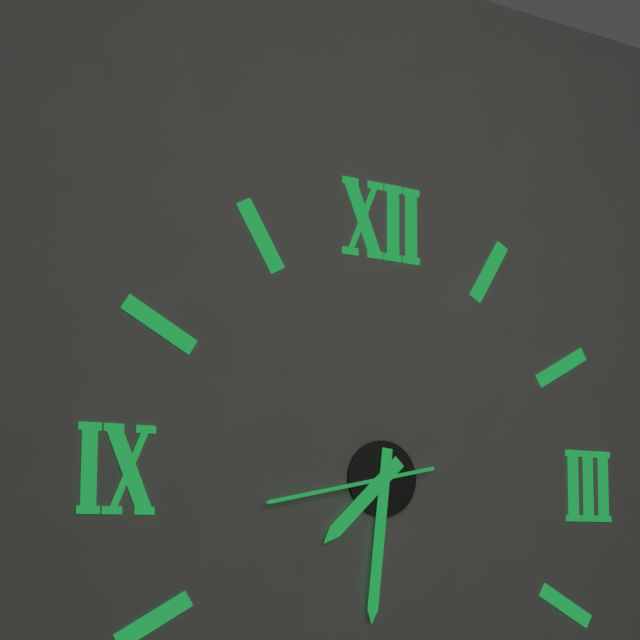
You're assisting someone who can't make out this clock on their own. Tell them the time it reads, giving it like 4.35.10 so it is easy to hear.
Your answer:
7.31.43
